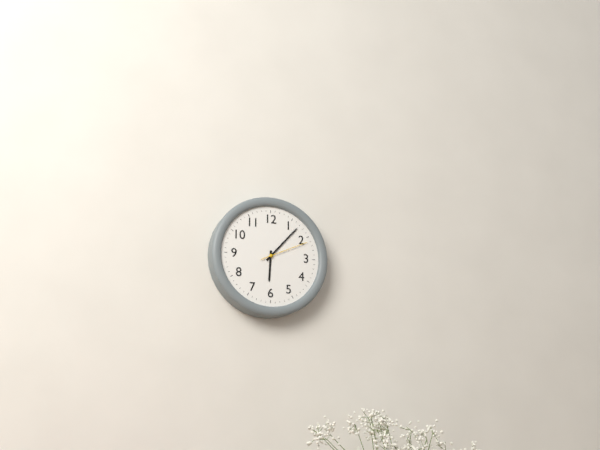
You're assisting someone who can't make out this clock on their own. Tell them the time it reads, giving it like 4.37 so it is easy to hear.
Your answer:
6.07
